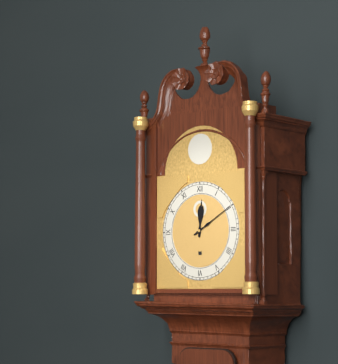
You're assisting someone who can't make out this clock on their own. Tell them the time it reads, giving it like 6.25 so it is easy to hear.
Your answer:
12.10
